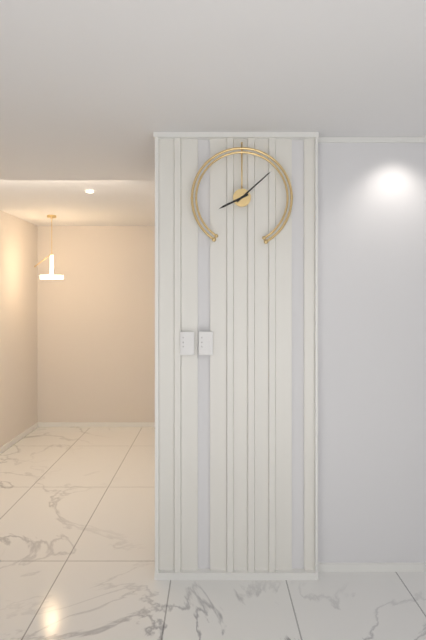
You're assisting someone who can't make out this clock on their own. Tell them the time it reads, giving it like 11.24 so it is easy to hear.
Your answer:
8.08
